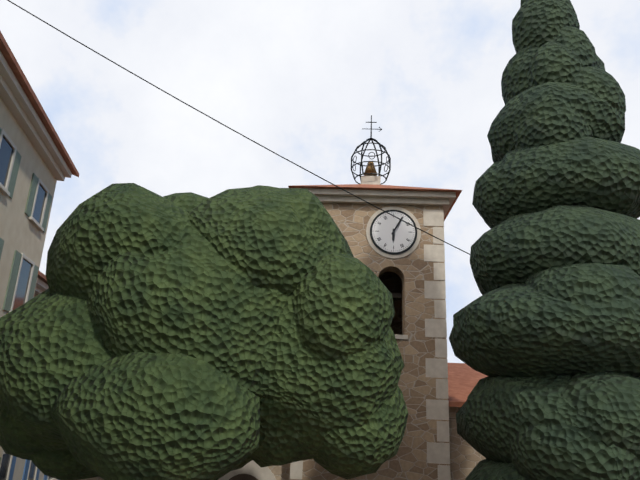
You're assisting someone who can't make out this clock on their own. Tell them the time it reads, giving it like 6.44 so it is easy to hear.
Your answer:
6.05
